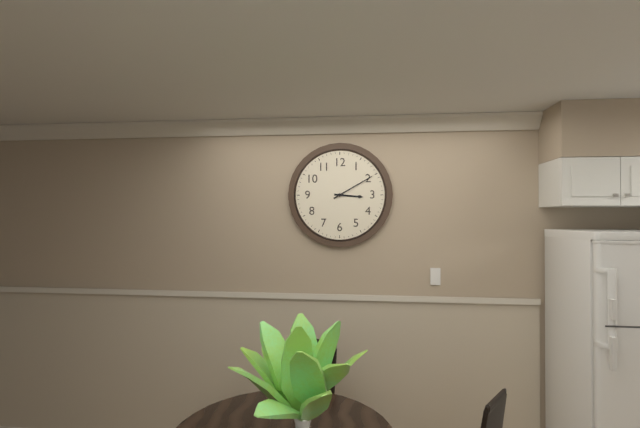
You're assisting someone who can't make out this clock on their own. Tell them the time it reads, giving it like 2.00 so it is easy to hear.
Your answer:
3.10
